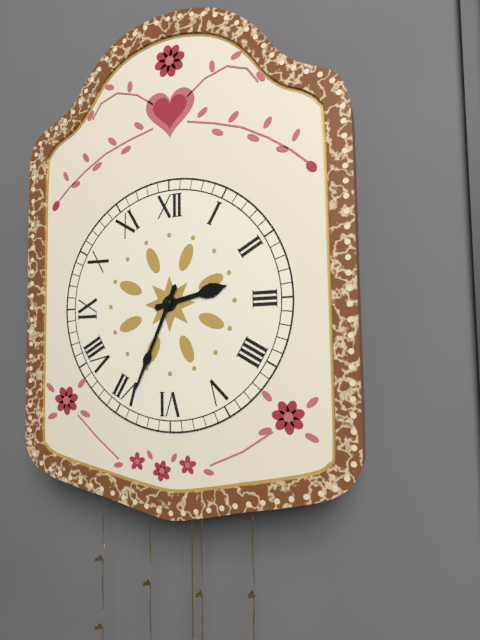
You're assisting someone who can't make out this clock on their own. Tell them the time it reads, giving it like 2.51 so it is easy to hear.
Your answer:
2.34
